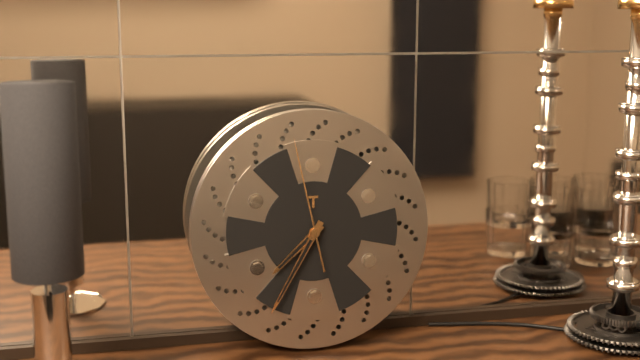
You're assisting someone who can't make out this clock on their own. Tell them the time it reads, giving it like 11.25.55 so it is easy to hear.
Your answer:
7.35.58
